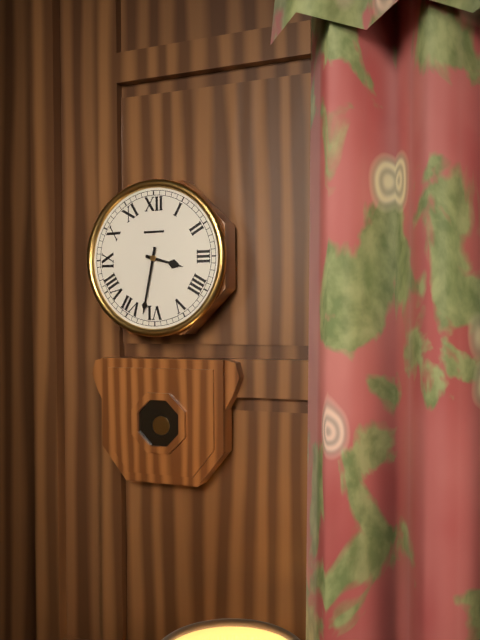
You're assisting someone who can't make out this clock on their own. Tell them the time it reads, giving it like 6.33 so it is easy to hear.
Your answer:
3.32
